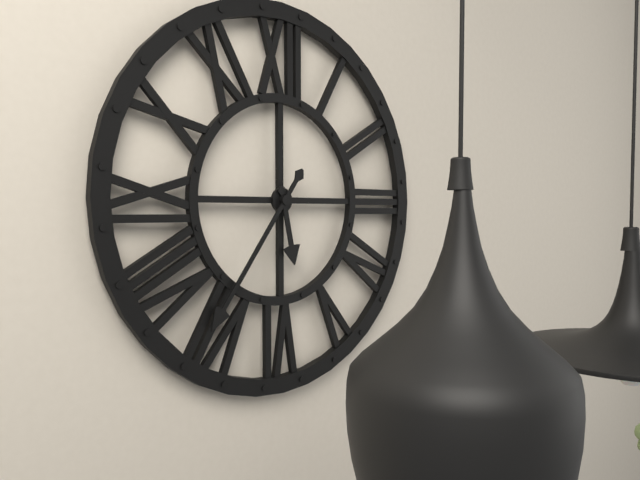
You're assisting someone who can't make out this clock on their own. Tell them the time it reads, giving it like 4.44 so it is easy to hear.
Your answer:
5.36
